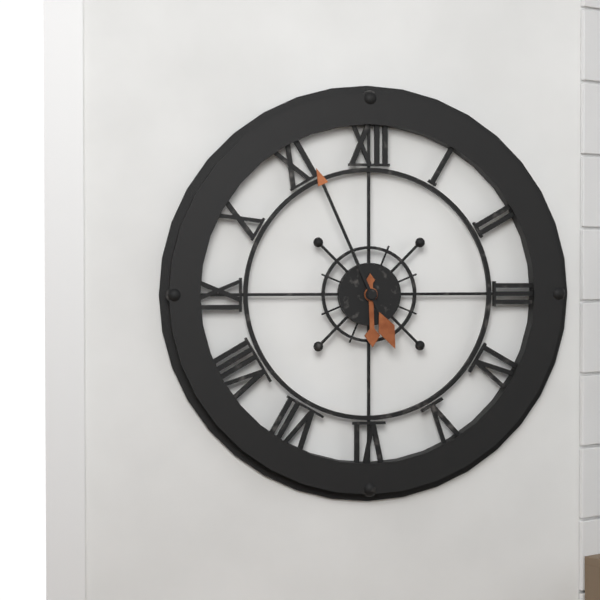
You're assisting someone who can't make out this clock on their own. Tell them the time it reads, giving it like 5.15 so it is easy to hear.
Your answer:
5.56
